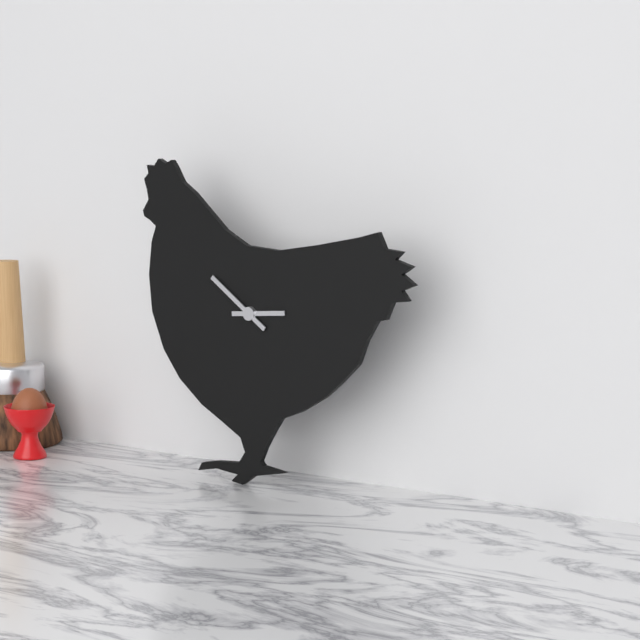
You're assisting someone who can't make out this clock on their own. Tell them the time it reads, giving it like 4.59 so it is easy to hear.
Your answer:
2.51
